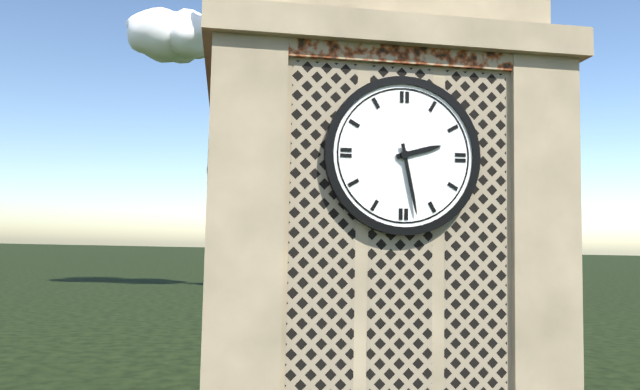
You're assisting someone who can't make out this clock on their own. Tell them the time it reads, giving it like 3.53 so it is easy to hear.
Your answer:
2.28
